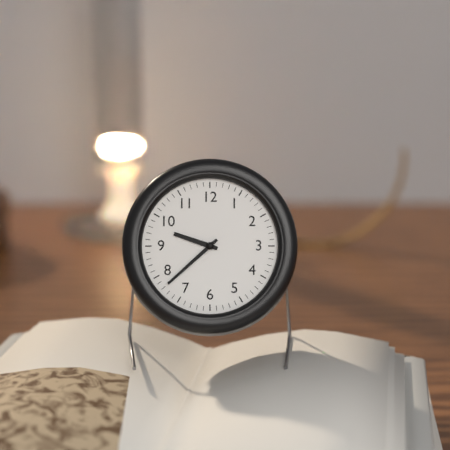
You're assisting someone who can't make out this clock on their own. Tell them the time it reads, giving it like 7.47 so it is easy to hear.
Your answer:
9.38
